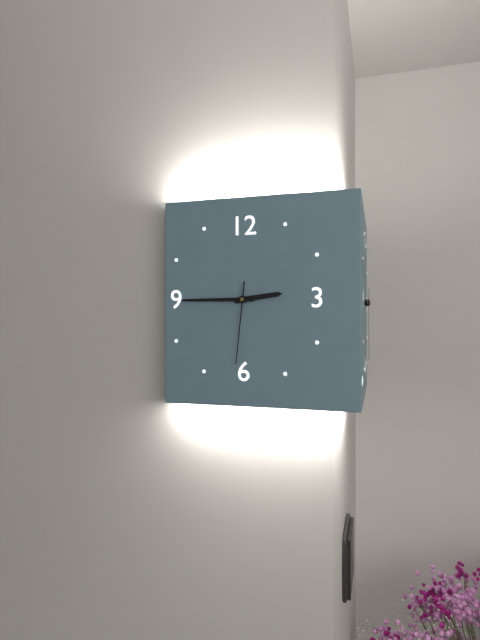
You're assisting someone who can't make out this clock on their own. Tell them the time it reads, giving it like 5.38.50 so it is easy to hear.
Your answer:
2.45.31
